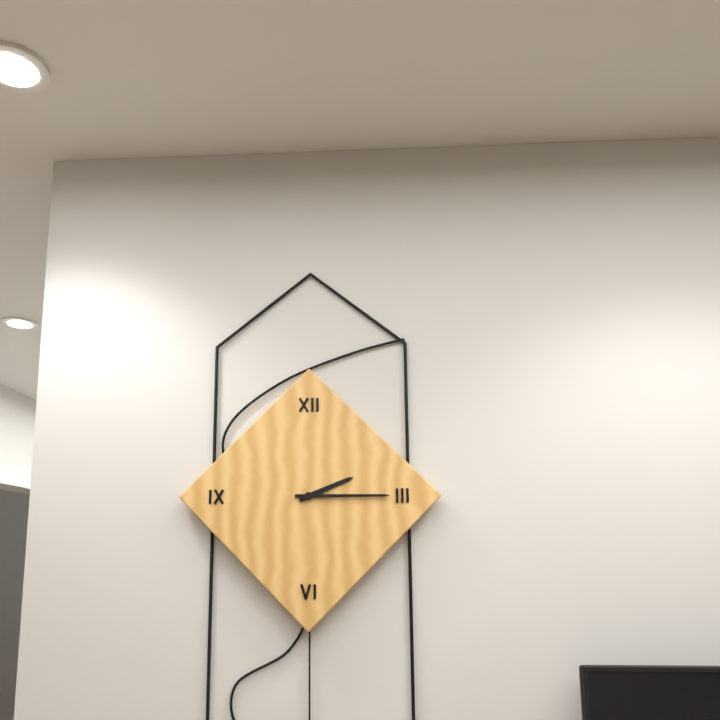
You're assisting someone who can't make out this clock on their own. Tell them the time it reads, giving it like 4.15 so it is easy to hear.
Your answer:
2.15
